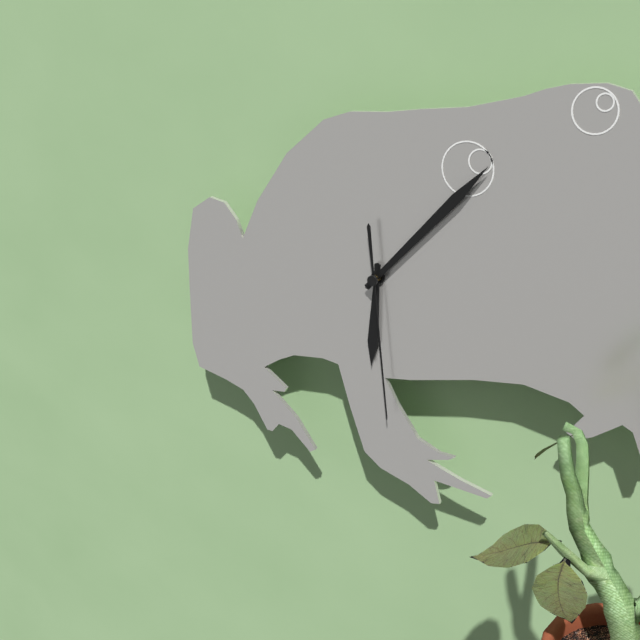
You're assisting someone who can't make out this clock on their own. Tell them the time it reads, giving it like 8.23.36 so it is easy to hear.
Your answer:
6.07.29
